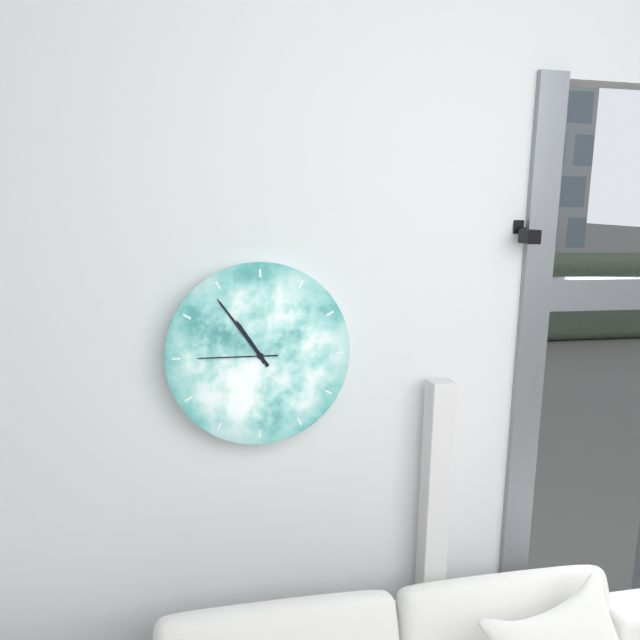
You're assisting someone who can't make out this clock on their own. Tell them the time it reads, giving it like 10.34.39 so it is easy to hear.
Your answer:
10.54.45
